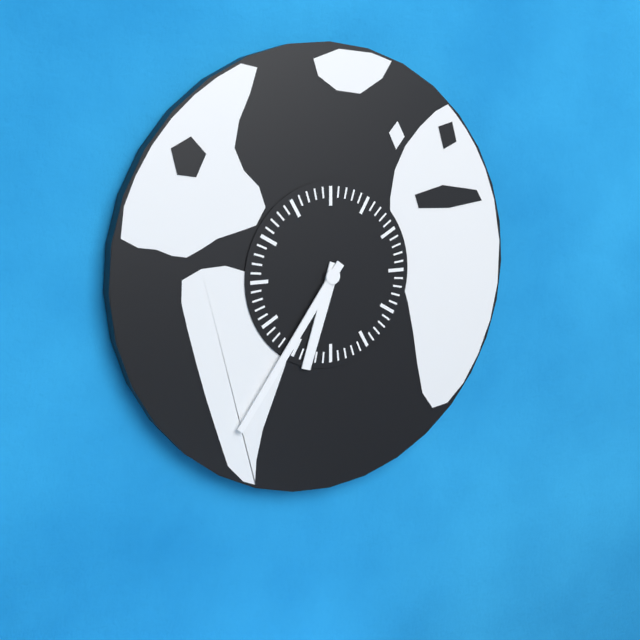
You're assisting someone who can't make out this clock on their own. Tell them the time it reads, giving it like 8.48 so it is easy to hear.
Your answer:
6.36
